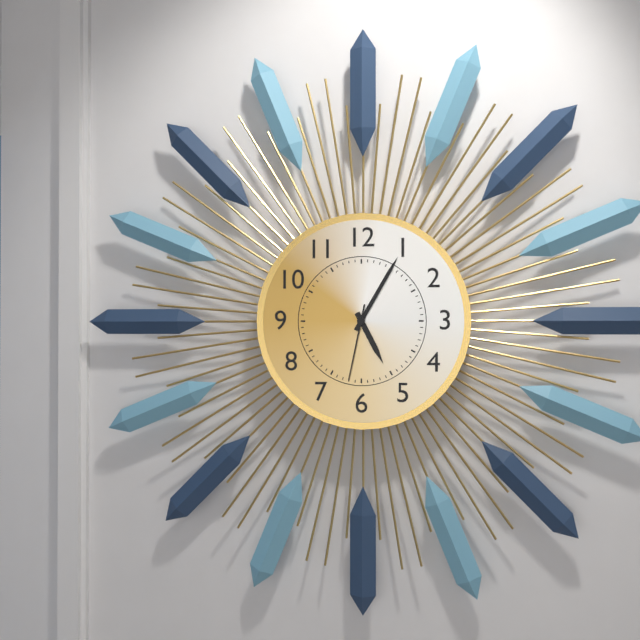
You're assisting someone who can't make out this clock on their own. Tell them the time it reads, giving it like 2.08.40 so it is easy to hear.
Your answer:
5.05.32
